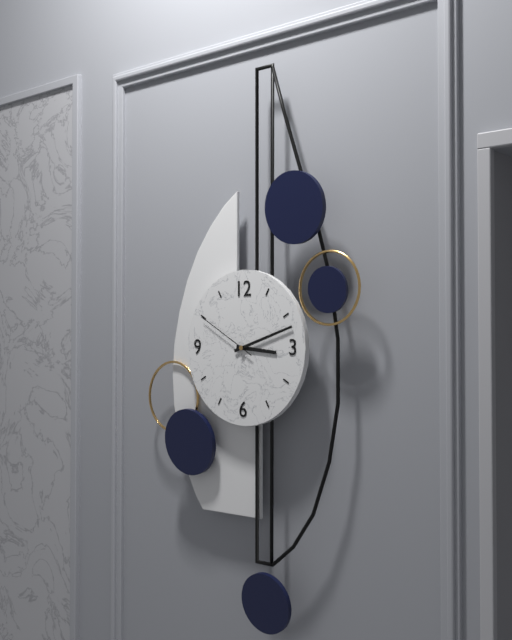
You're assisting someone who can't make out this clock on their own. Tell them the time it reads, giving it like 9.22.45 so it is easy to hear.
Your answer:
3.12.50
